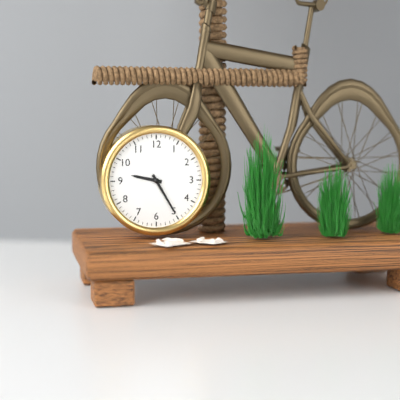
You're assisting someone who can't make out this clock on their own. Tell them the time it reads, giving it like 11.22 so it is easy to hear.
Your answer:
9.25
